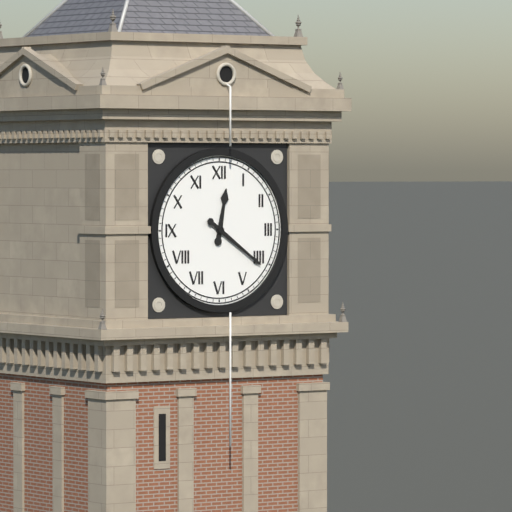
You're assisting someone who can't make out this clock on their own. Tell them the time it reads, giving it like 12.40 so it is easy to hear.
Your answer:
12.21
